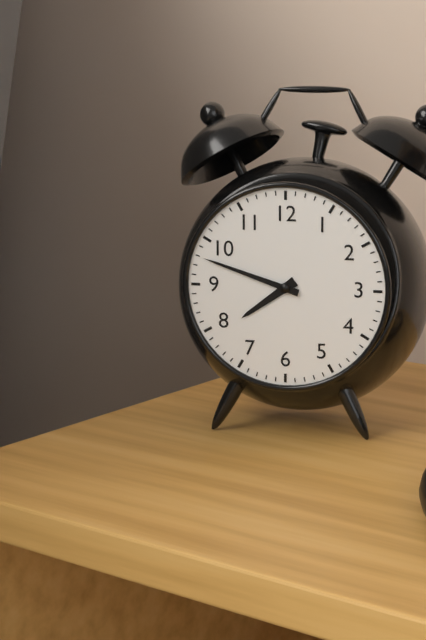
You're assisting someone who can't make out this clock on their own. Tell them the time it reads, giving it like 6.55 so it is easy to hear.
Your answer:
7.48
